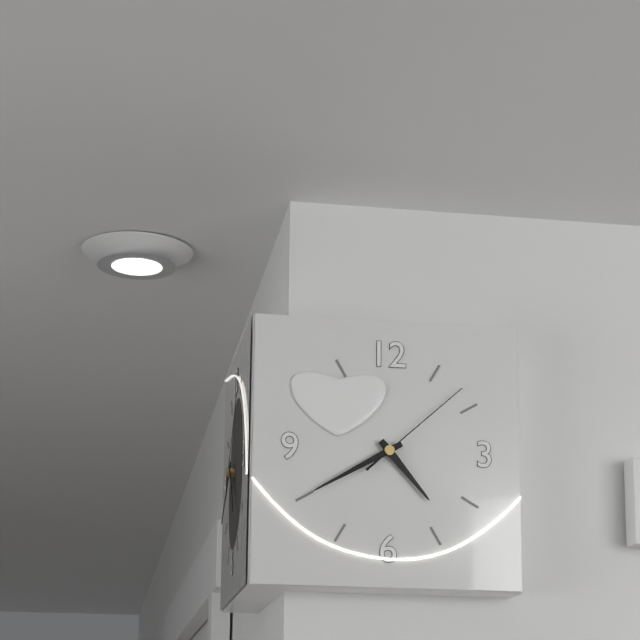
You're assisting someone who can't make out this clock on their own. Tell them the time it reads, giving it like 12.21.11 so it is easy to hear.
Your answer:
4.40.08
